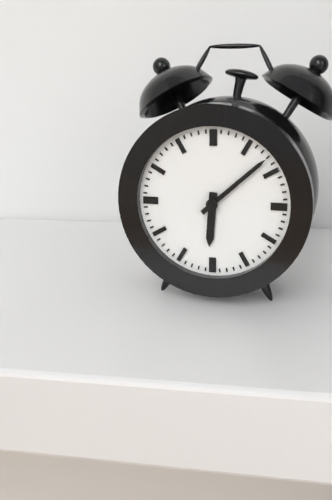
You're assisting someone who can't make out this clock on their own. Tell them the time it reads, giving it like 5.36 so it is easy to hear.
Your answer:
6.08
